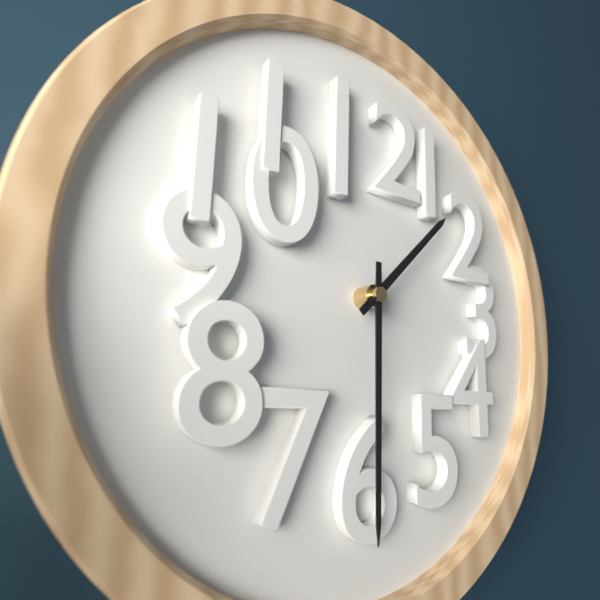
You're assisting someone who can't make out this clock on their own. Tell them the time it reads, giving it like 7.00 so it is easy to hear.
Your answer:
1.30
